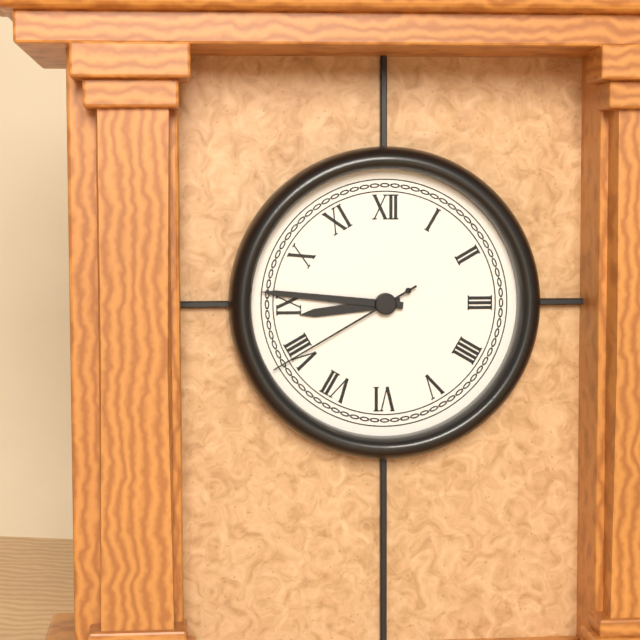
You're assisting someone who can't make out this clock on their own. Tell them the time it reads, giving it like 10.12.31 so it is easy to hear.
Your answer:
8.46.40
